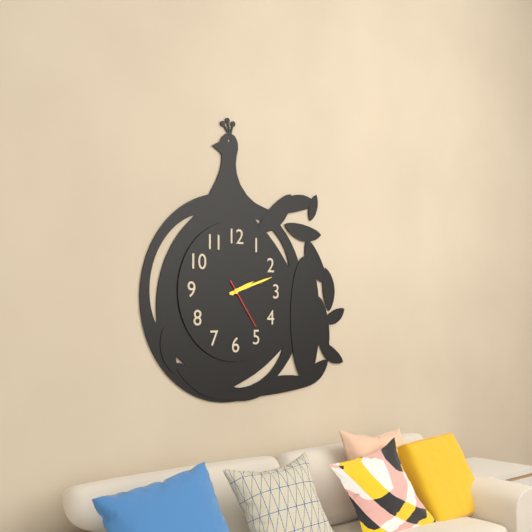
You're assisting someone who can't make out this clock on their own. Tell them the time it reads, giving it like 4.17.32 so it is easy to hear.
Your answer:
2.12.24
